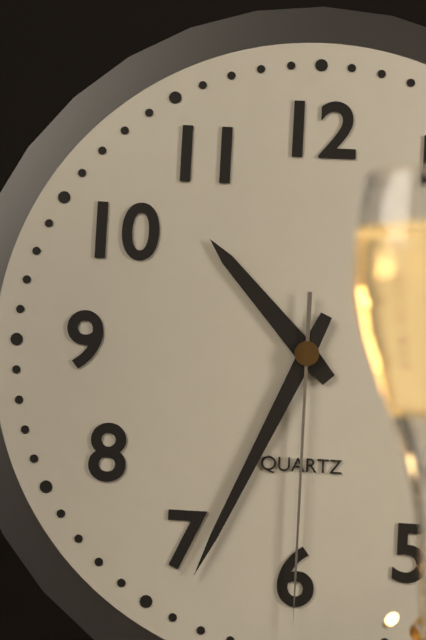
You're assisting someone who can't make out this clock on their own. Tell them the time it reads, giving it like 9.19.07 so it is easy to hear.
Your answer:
10.34.30
